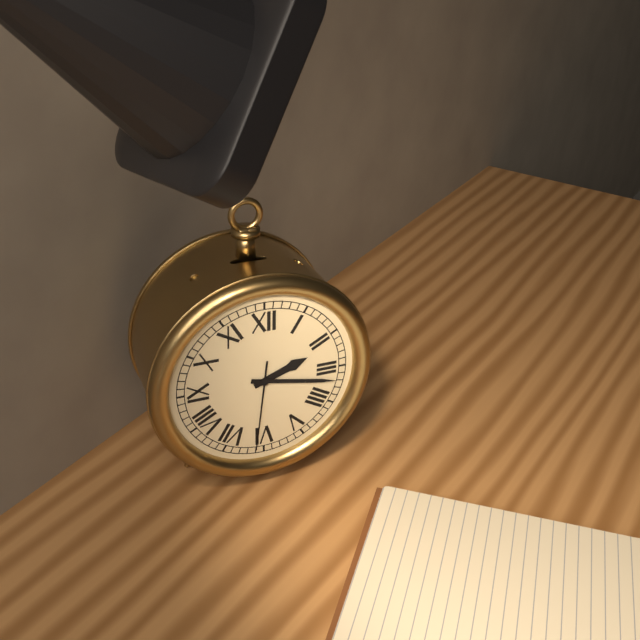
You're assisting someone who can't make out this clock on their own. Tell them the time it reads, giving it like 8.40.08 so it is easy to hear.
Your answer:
2.17.31
